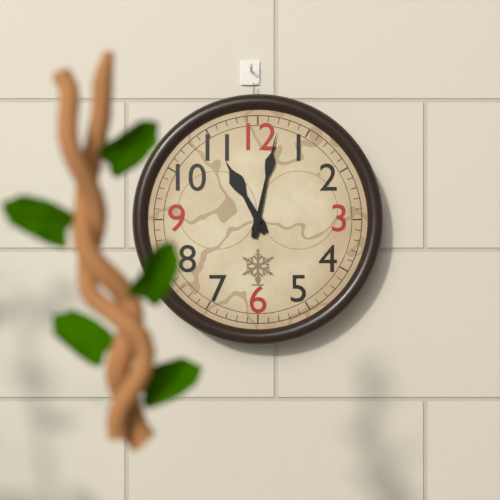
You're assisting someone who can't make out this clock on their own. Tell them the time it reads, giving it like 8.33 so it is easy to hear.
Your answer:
11.02
